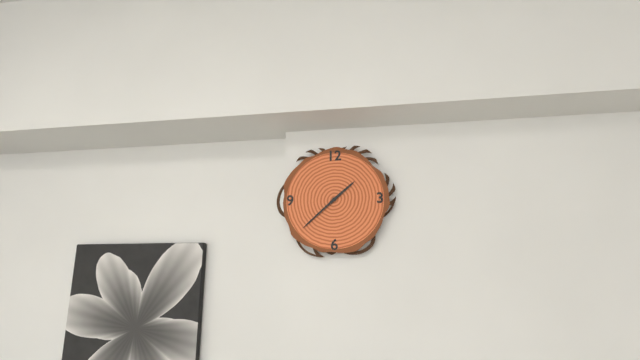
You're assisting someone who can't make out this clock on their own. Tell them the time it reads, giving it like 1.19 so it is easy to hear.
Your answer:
1.38
